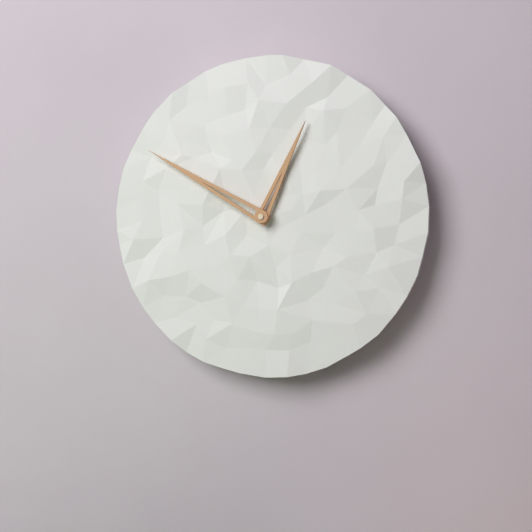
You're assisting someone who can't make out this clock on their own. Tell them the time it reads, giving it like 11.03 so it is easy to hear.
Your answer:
12.50
